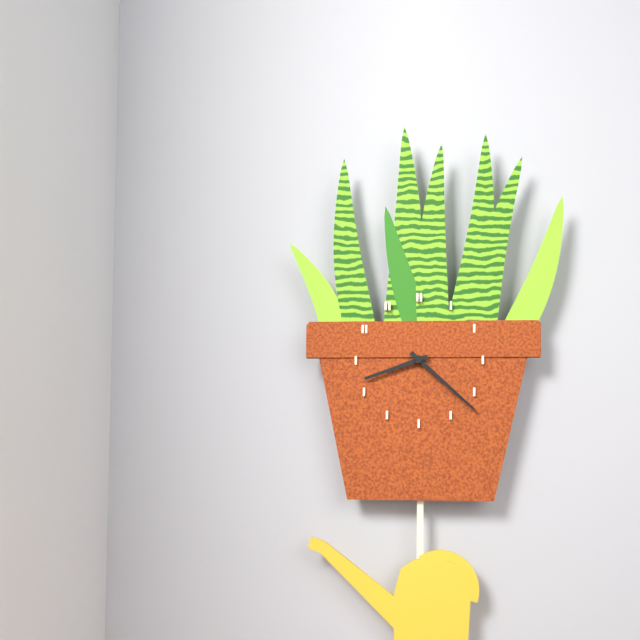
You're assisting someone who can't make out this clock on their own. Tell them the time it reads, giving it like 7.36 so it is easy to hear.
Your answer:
8.22
